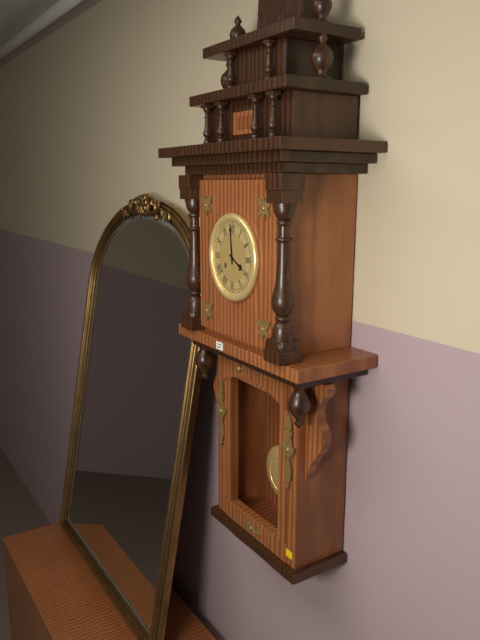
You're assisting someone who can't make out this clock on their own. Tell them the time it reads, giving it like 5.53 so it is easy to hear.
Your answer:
3.59
